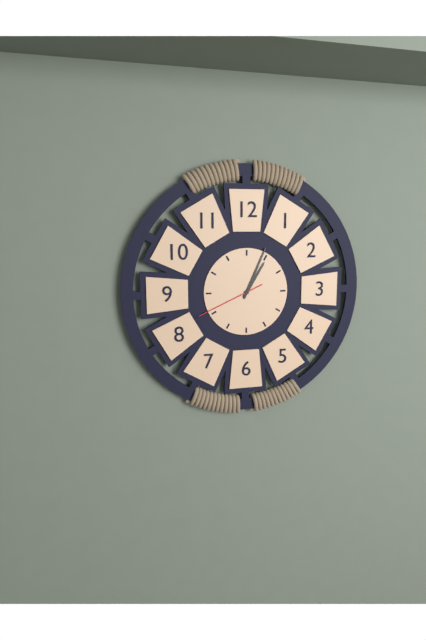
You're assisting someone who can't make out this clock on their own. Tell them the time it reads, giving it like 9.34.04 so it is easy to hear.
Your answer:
1.04.41
